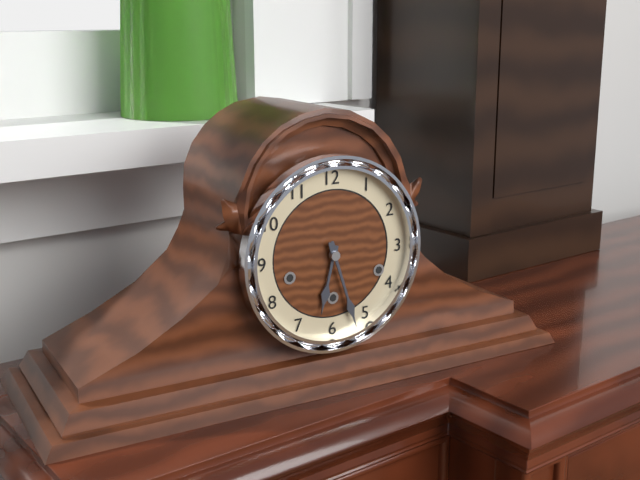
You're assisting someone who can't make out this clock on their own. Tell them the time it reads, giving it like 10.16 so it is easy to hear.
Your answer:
6.27
